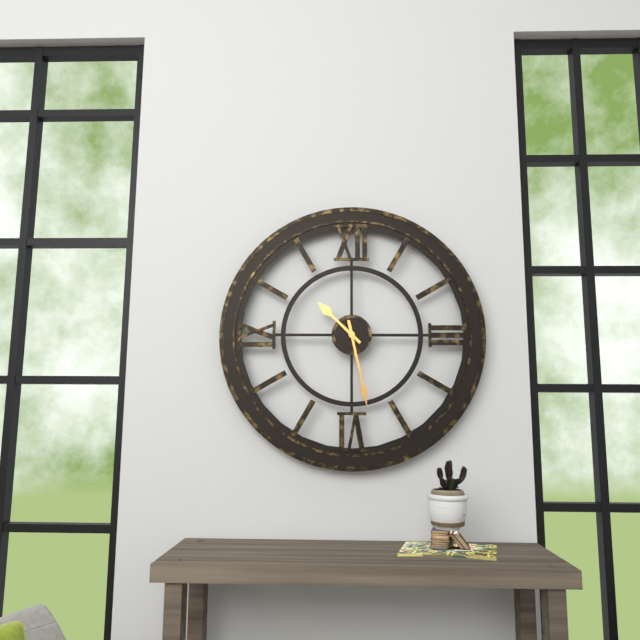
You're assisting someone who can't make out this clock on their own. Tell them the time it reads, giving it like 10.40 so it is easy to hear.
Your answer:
10.28
